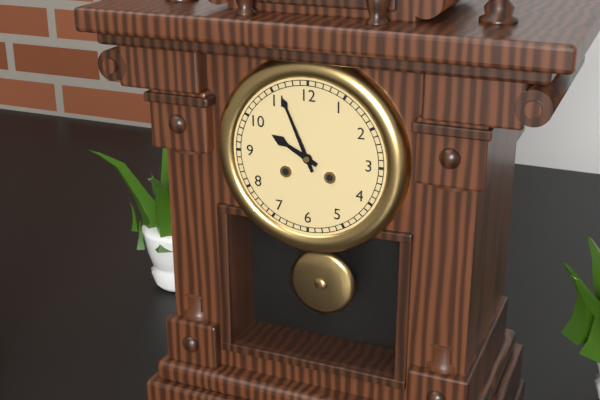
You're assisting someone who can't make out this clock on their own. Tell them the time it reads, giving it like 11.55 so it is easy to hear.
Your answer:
9.56
